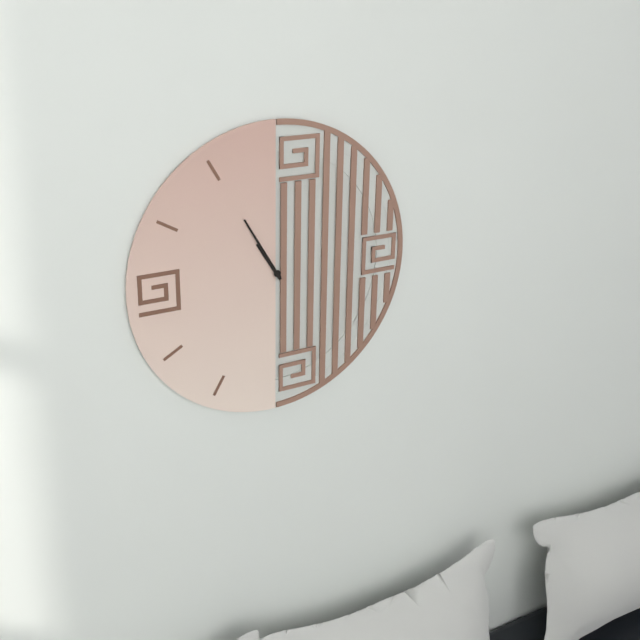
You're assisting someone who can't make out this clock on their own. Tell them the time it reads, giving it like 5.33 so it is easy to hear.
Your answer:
10.55
